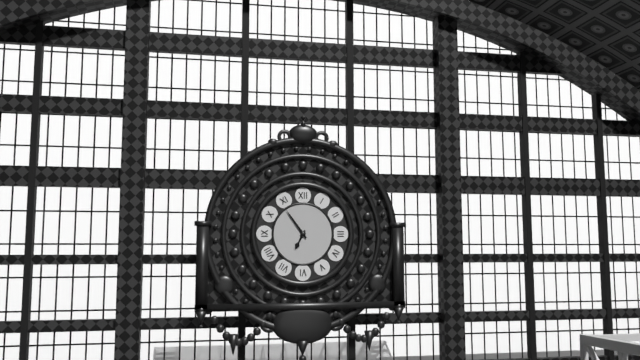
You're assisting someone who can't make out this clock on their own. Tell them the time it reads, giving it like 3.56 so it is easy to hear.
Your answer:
6.54
